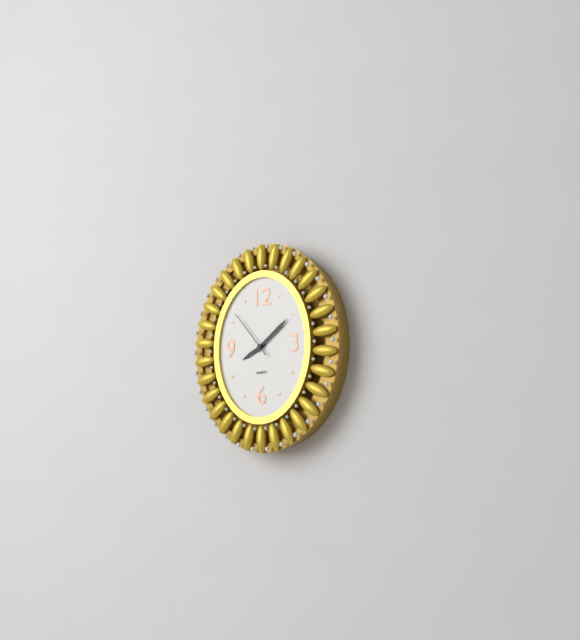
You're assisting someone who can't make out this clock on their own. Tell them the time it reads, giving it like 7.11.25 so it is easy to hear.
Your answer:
8.09.53
